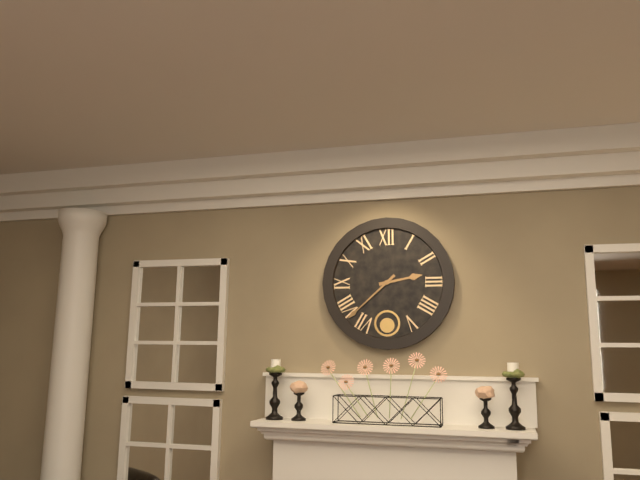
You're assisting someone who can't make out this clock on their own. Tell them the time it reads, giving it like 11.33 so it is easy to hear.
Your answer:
2.38
